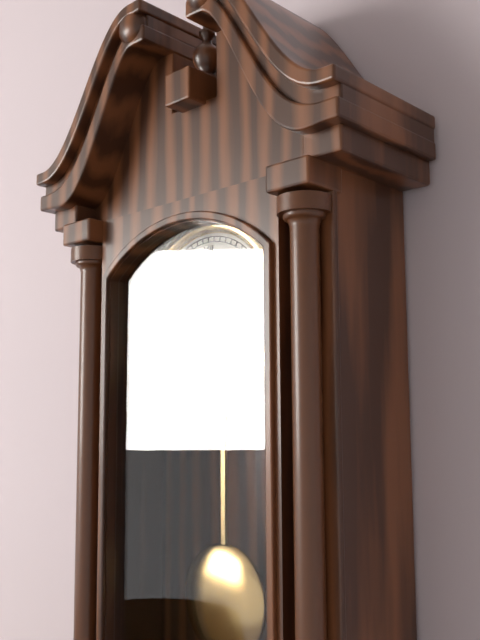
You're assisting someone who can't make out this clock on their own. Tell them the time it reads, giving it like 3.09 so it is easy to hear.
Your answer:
3.40
